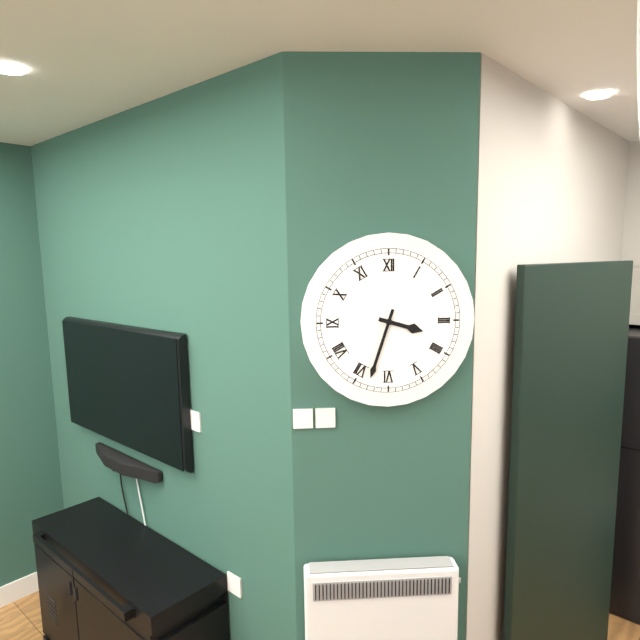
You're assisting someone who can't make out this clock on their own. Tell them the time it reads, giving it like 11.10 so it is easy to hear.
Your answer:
3.33
